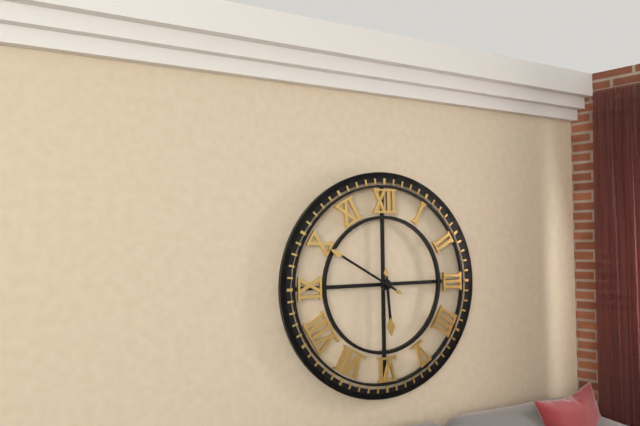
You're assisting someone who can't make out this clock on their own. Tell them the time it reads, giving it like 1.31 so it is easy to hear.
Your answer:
5.50
